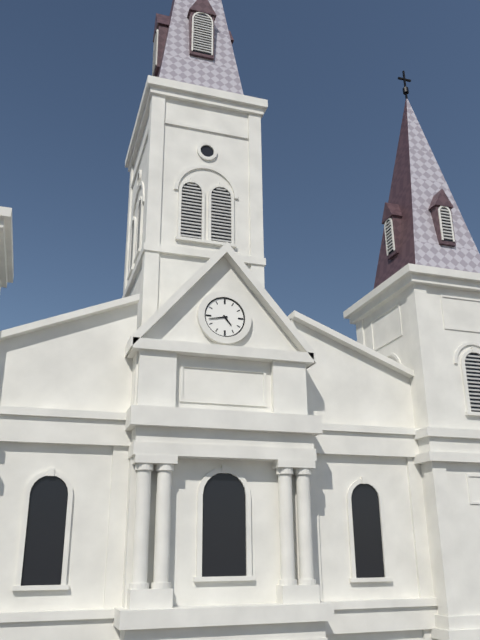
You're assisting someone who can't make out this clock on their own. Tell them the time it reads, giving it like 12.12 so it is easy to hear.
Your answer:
4.43
